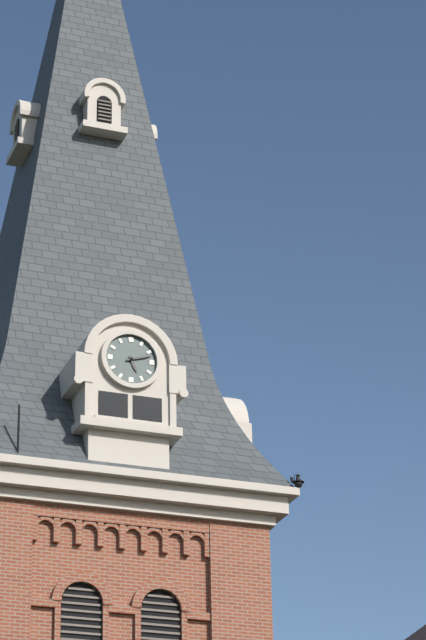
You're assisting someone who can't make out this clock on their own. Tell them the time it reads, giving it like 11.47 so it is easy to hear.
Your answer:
5.12
